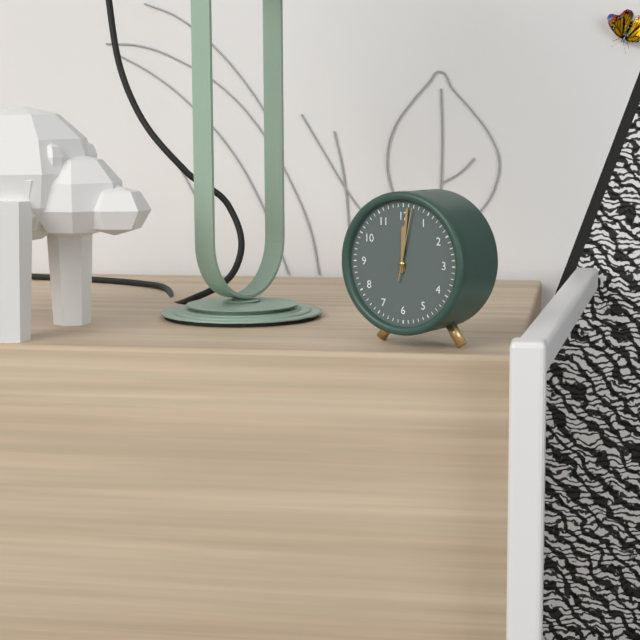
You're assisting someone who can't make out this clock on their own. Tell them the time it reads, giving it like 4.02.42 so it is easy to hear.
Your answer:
12.01.02
